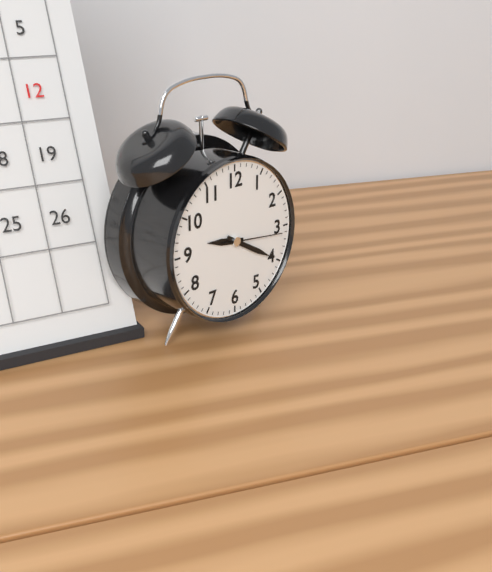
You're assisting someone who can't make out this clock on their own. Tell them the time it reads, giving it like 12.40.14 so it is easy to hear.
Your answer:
9.20.16
